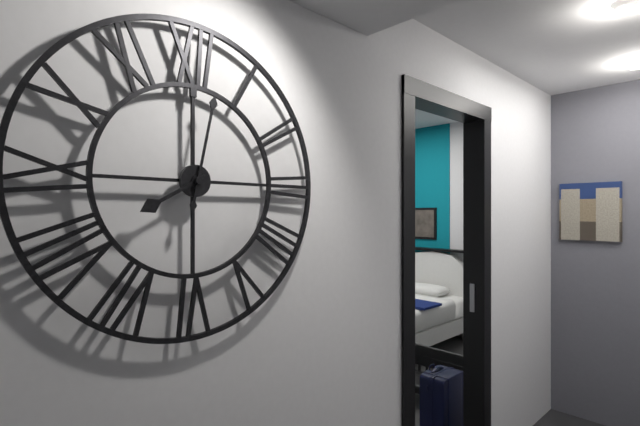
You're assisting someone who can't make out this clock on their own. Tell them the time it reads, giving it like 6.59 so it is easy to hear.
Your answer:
8.02
